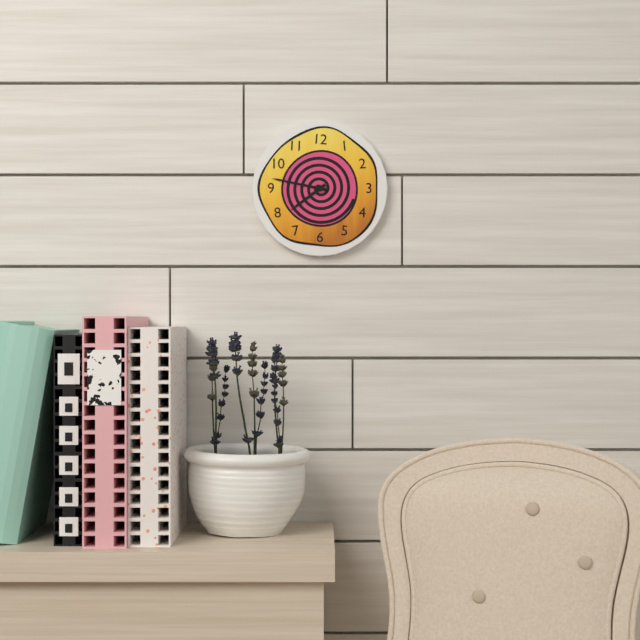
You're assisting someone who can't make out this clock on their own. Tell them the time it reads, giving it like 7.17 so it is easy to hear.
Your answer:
7.47
